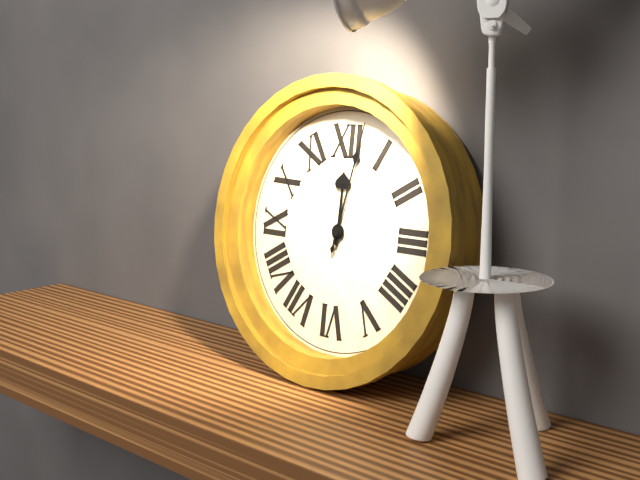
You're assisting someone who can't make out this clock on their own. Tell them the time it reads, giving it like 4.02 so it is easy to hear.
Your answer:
12.02
